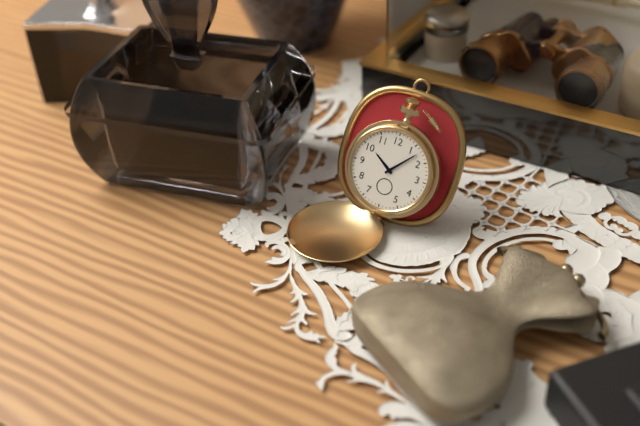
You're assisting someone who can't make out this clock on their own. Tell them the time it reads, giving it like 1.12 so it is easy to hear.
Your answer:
10.07
